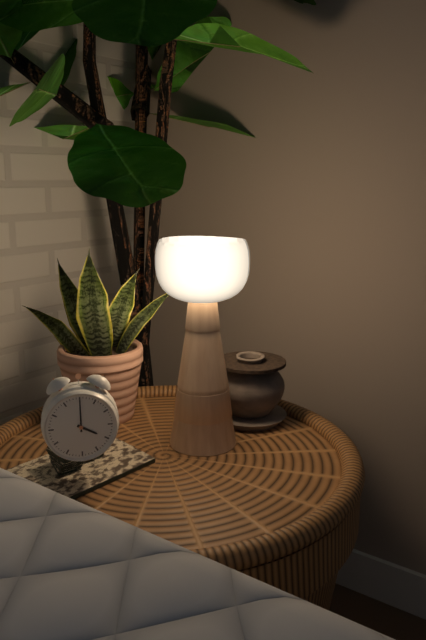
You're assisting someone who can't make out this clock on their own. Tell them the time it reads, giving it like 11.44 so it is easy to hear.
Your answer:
4.00
